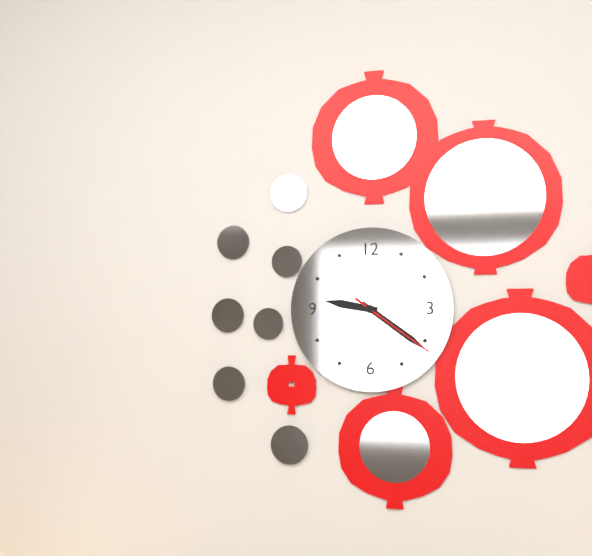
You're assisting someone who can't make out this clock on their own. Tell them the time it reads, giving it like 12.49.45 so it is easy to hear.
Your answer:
9.21.21
